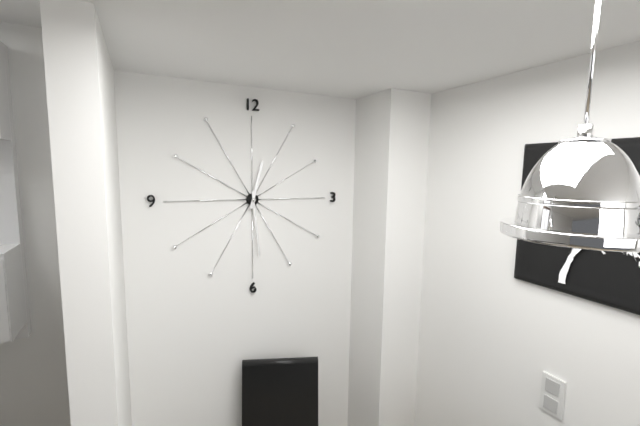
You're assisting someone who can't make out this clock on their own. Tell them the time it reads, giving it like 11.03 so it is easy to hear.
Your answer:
12.29
